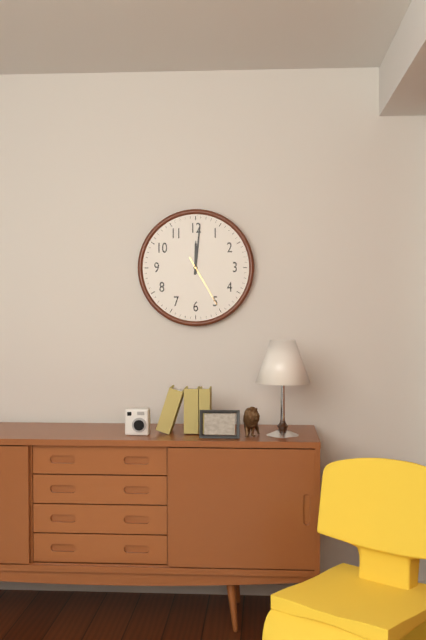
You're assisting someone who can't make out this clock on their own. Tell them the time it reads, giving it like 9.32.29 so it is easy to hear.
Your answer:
12.01.25
